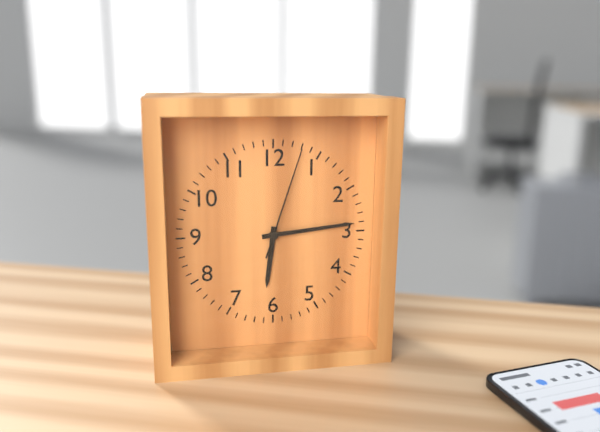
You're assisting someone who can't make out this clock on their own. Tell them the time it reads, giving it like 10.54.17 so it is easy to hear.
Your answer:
6.14.03
